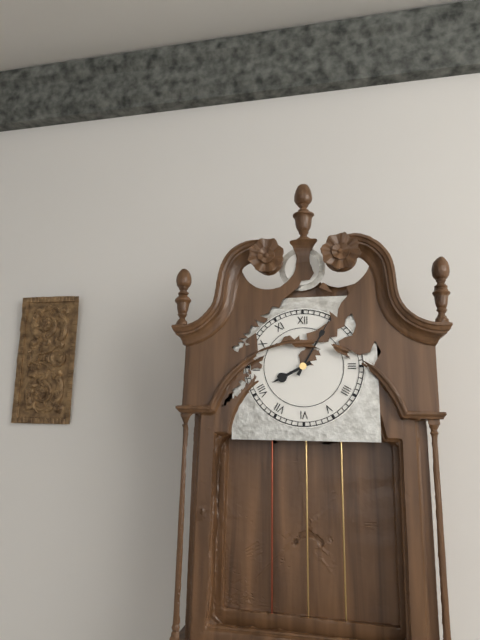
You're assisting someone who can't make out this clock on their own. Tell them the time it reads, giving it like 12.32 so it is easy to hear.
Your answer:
8.05
